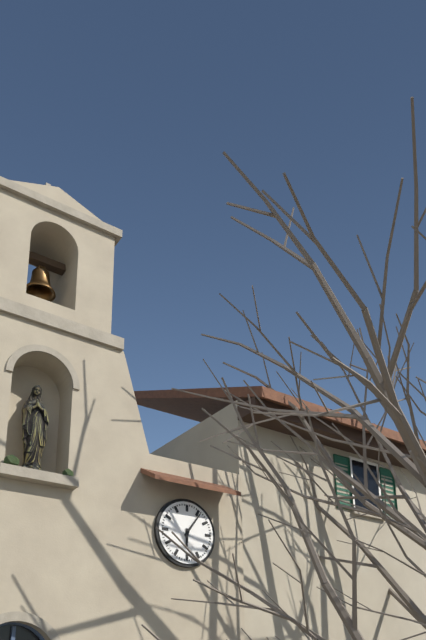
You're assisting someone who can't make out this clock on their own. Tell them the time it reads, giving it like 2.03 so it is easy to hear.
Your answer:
6.06
